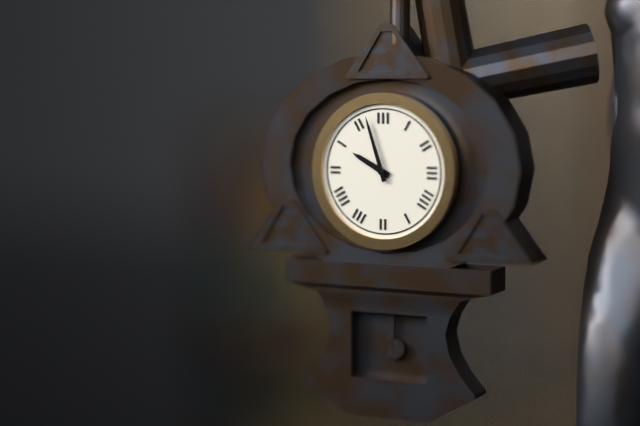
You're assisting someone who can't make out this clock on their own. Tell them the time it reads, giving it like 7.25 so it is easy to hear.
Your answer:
9.57
